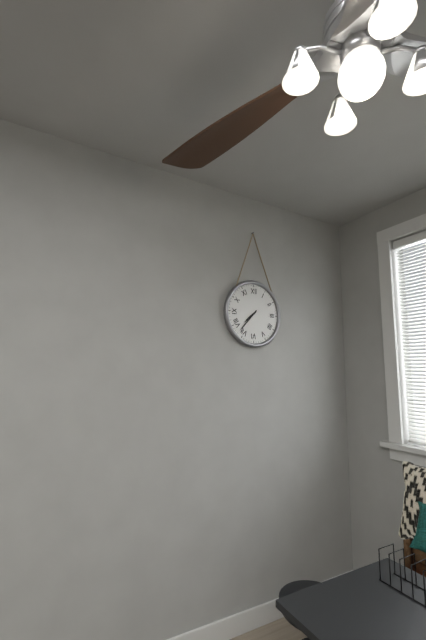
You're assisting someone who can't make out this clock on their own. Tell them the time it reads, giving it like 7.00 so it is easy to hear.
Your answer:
7.37
